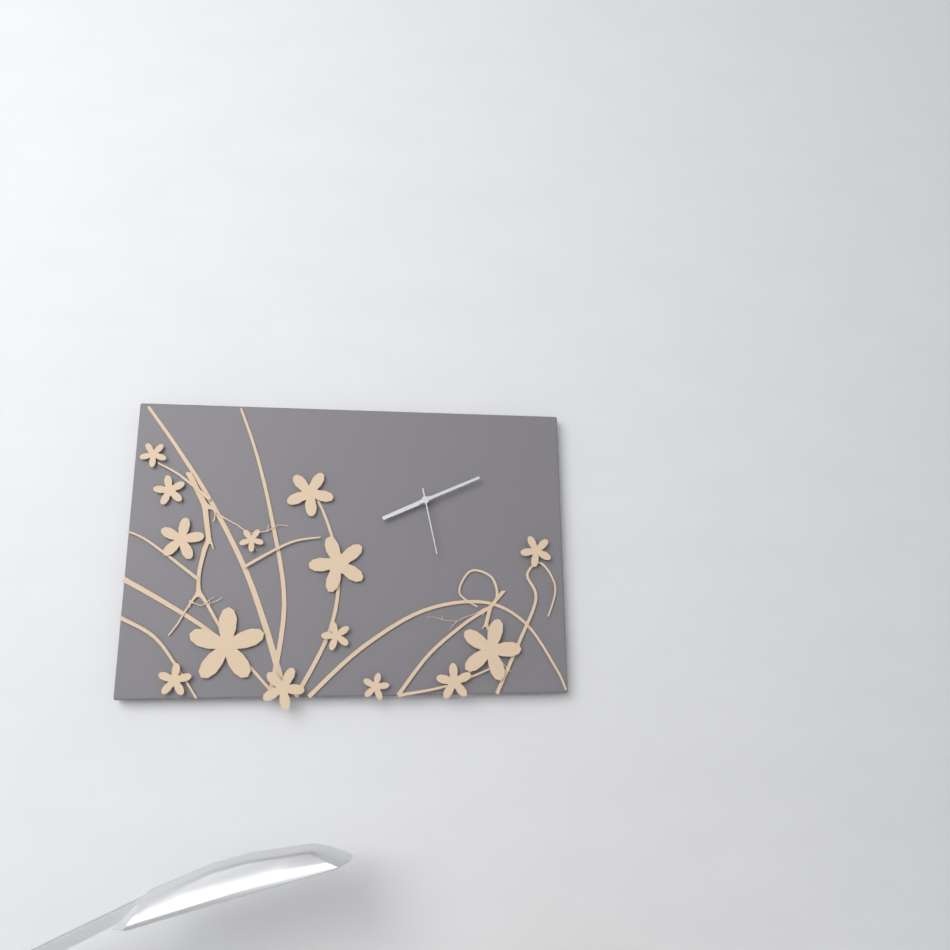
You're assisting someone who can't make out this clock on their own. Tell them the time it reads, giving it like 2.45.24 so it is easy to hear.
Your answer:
8.11.28
